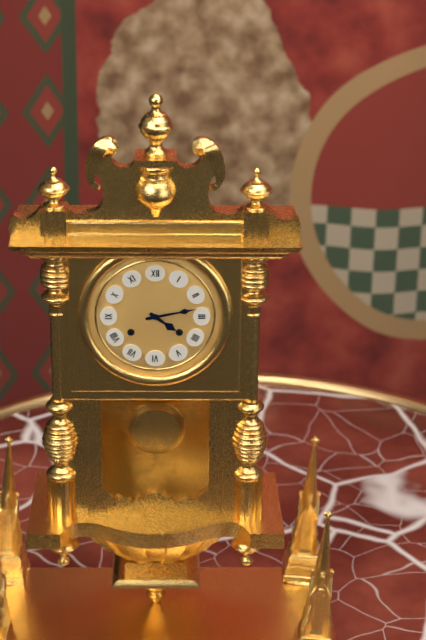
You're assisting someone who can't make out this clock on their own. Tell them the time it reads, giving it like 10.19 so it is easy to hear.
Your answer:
4.13
